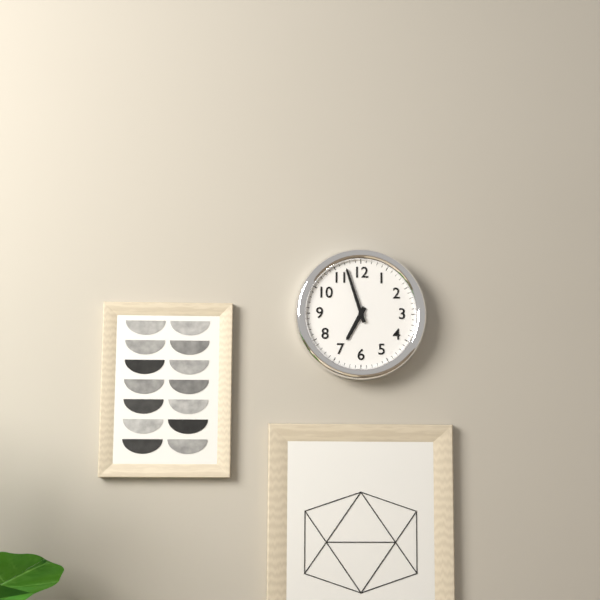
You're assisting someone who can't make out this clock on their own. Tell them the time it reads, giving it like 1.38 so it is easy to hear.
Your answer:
6.57
